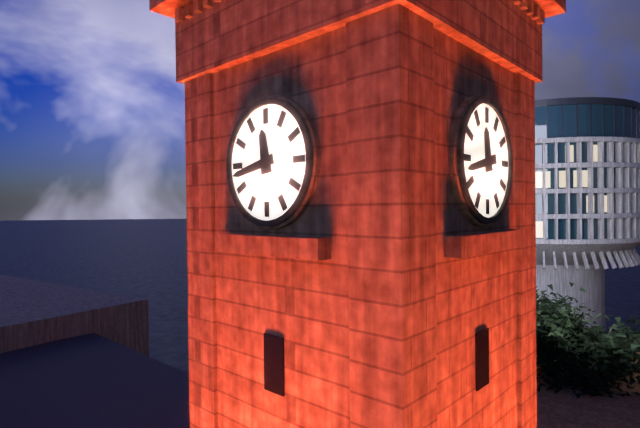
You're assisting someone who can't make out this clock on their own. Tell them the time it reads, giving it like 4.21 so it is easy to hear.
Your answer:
11.43
